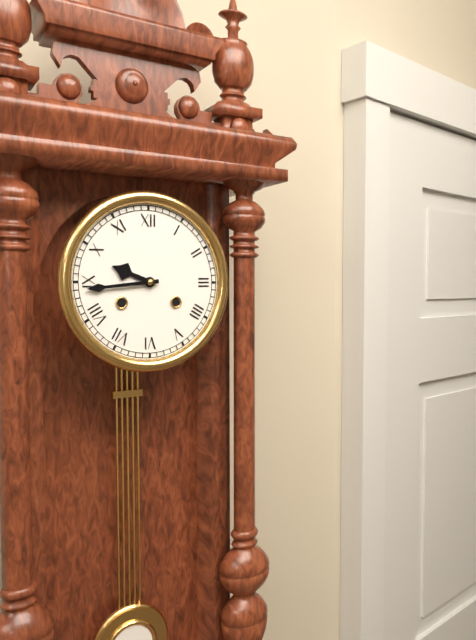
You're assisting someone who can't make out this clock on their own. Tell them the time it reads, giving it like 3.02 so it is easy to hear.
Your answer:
9.44
